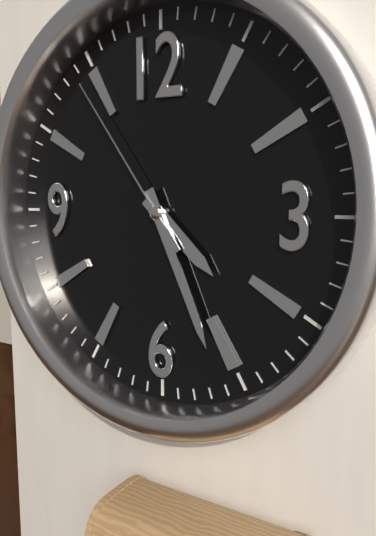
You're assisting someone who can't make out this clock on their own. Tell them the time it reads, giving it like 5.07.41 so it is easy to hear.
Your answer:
4.26.54
